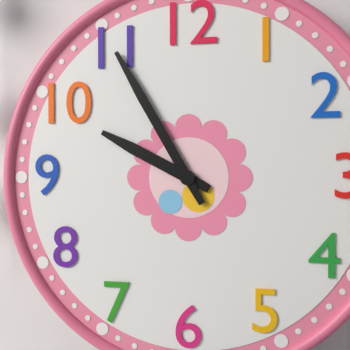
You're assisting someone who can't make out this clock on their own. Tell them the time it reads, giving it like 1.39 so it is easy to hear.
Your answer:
9.55
